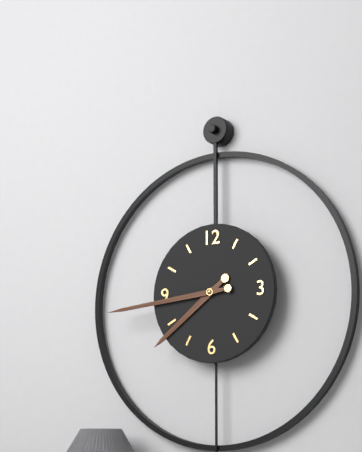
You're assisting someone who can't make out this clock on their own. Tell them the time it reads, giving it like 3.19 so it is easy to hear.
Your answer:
7.44
